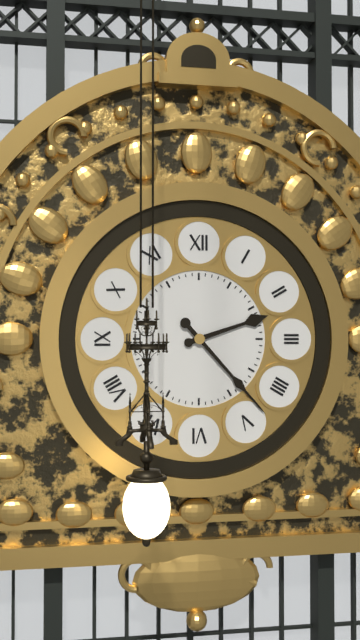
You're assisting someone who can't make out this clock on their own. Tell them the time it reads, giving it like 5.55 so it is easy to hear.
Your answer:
2.23
